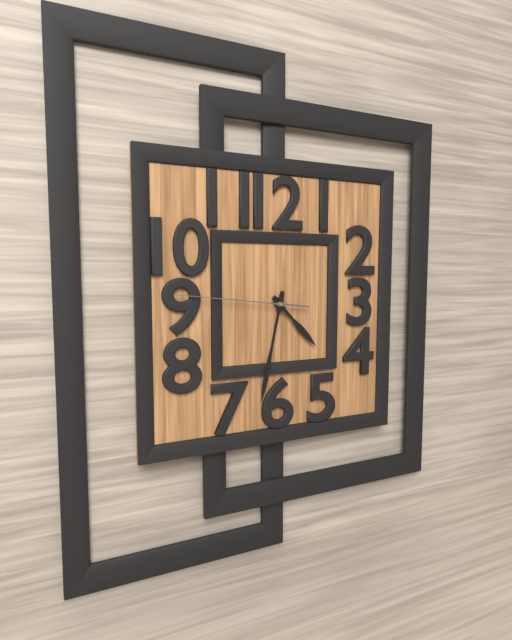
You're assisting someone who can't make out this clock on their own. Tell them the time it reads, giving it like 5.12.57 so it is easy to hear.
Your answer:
4.32.46
